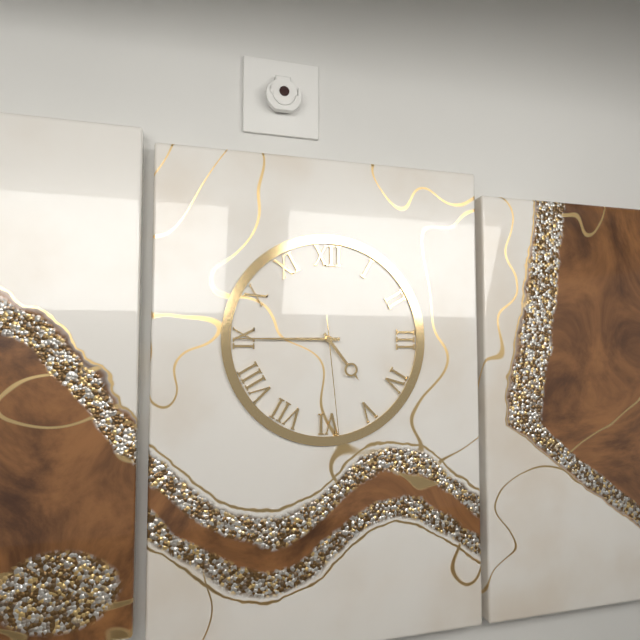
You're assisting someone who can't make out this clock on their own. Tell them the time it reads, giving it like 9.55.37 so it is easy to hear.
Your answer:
4.45.29
